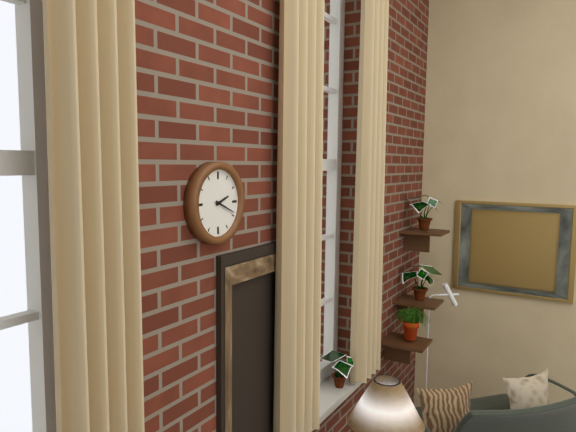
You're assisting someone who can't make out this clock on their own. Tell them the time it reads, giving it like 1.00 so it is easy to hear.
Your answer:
2.19
